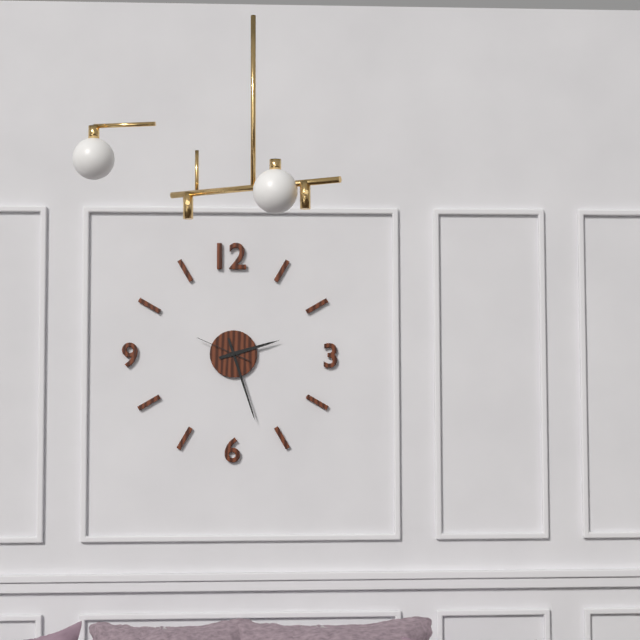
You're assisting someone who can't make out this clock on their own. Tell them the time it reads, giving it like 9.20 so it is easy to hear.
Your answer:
2.27
